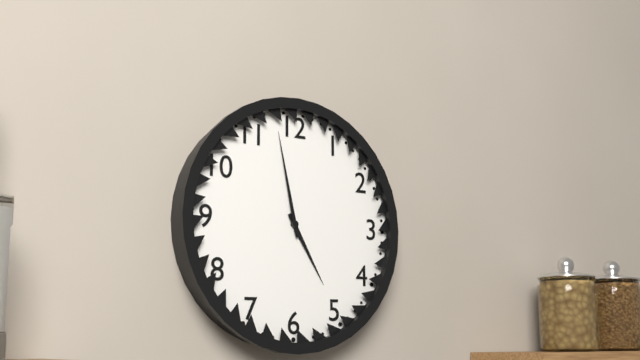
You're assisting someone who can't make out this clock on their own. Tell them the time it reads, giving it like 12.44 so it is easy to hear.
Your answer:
4.58
